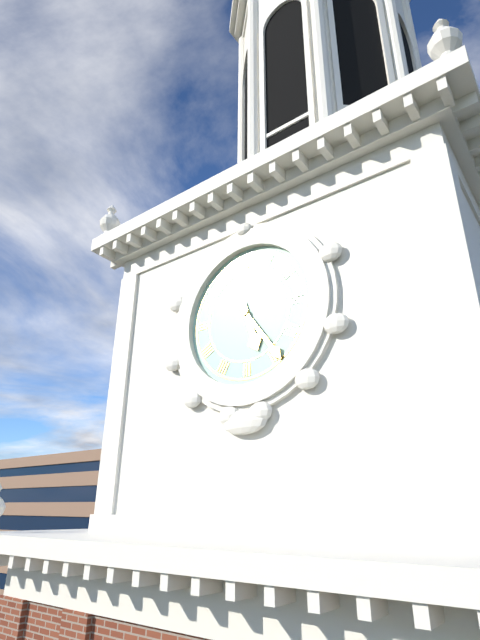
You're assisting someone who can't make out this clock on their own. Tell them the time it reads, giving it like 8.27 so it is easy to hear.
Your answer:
5.24
